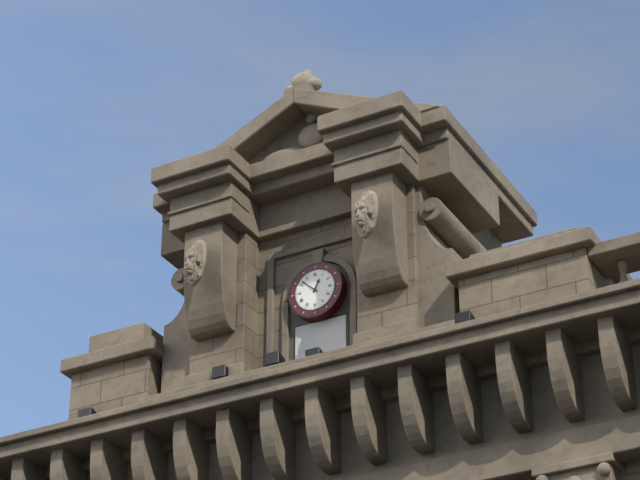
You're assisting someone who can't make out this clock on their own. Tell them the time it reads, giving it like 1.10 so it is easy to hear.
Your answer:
12.52
